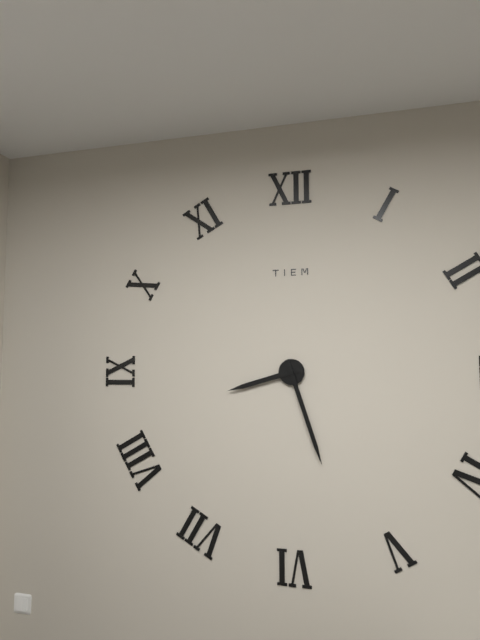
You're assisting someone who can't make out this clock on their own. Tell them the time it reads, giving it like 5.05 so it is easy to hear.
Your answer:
8.27
